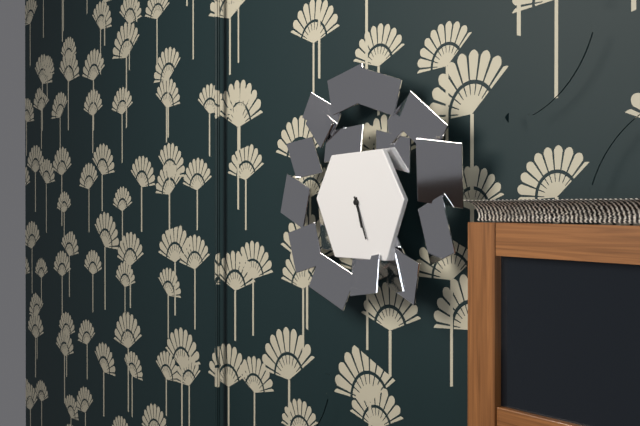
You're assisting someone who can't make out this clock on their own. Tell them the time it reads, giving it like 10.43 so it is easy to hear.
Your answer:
5.26
